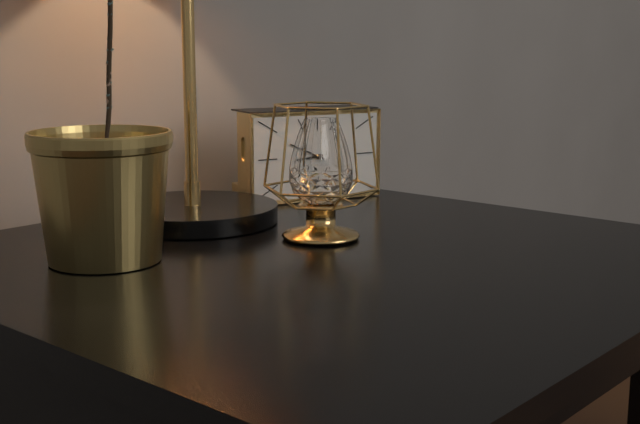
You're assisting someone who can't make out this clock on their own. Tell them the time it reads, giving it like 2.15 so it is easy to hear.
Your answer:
8.49
